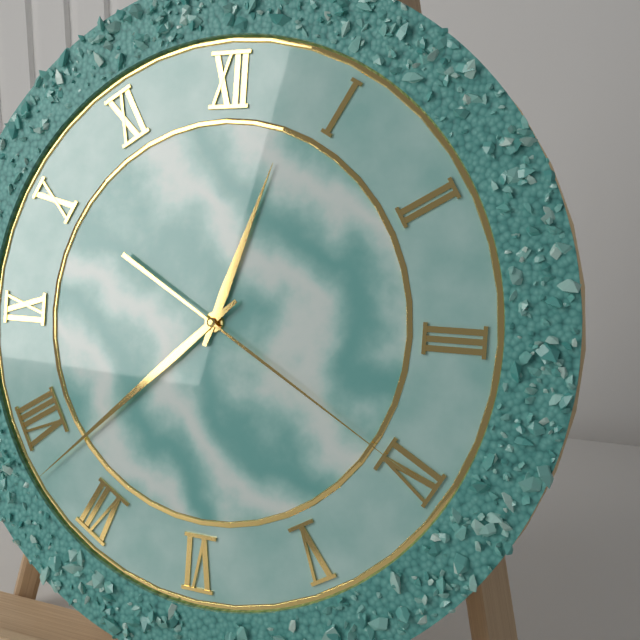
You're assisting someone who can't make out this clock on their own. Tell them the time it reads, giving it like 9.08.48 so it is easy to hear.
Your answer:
12.38.20
